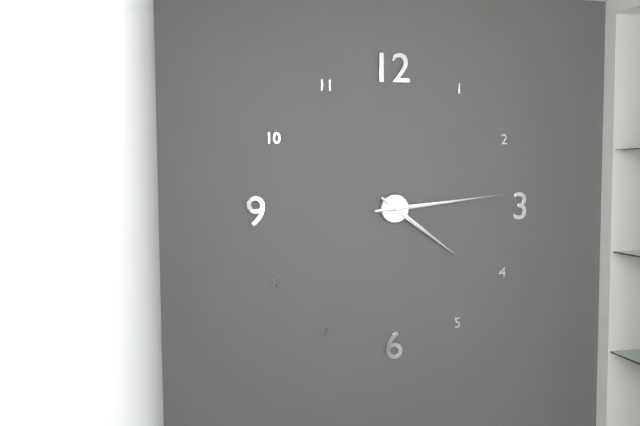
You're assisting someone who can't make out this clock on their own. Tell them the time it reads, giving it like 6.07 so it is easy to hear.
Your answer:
4.14
